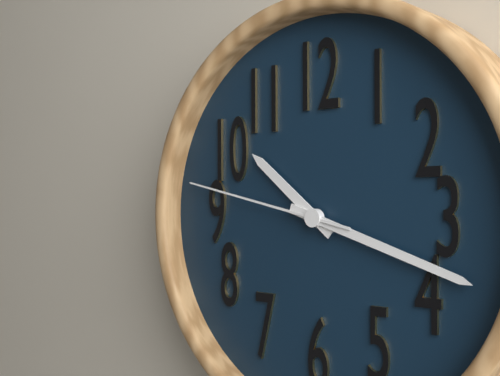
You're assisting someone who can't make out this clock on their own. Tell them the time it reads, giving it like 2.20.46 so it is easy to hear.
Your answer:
10.18.47
